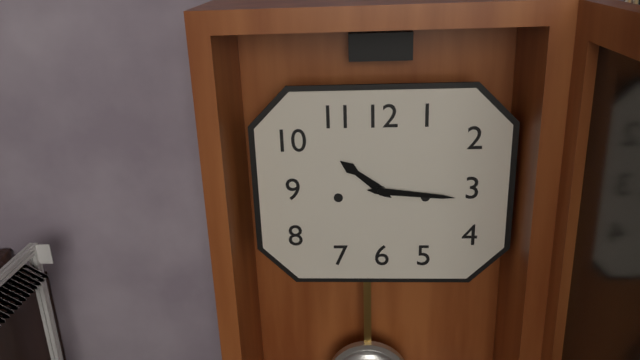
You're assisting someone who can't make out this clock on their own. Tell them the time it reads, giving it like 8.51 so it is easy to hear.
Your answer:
10.16
